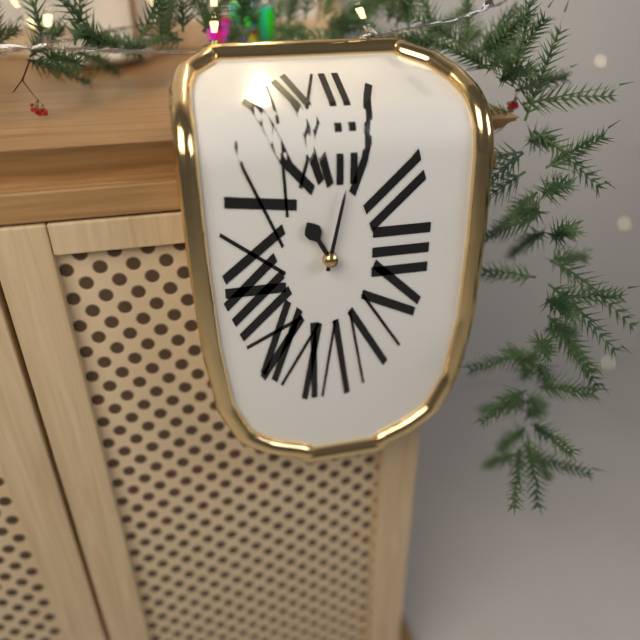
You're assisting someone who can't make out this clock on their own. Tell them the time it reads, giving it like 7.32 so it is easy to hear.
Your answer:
11.02
